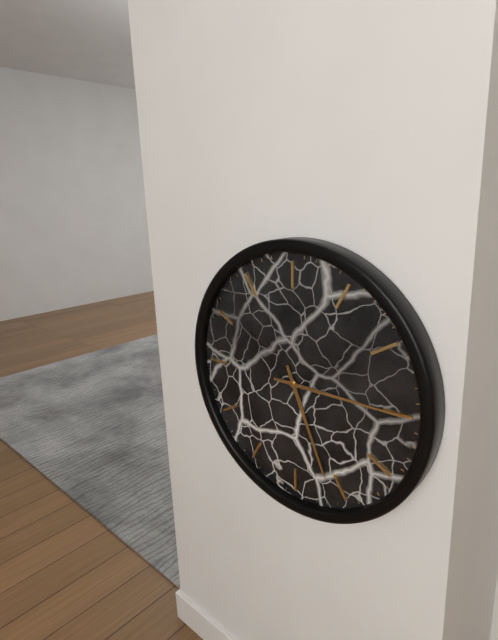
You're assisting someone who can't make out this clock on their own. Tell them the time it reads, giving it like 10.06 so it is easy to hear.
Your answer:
5.15
